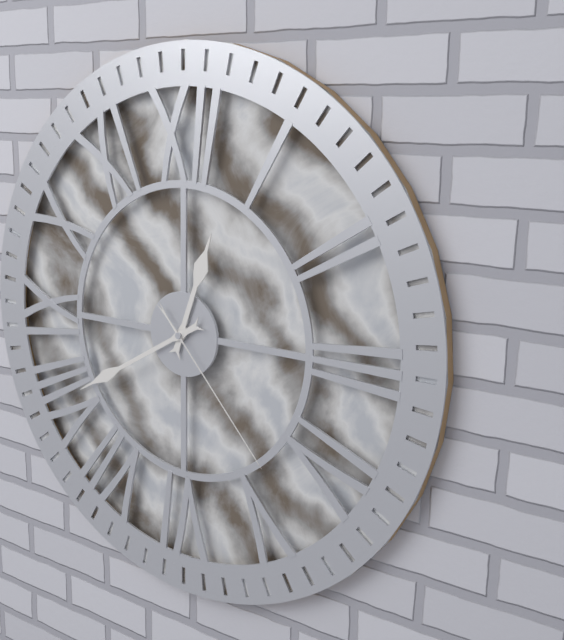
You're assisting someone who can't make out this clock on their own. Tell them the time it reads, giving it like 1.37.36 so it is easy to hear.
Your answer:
12.40.23
